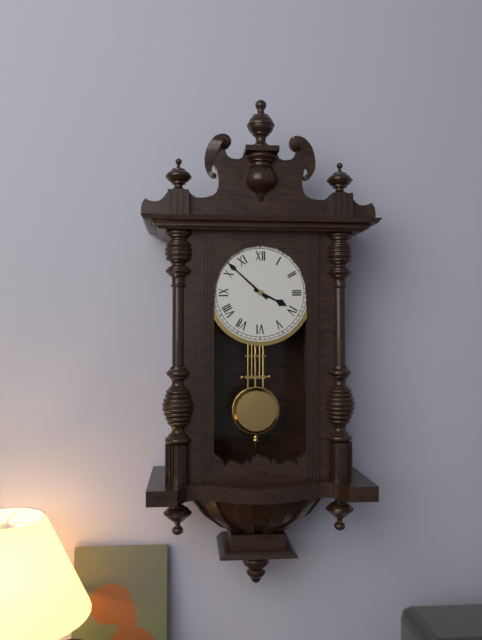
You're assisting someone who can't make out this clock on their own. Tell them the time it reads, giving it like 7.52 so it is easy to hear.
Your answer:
3.52
